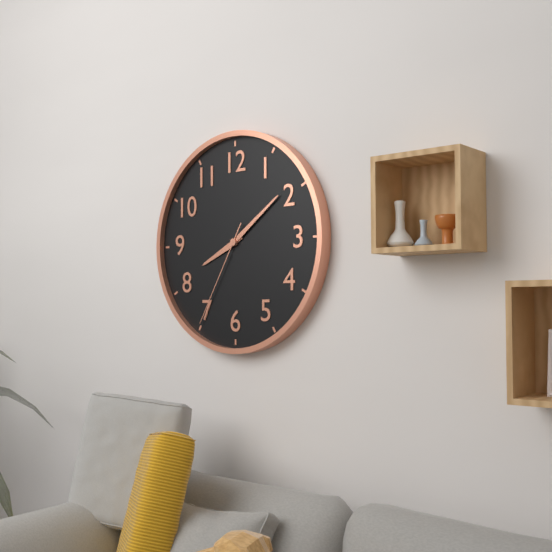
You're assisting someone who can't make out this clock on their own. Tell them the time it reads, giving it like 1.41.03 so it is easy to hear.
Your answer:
8.09.35
